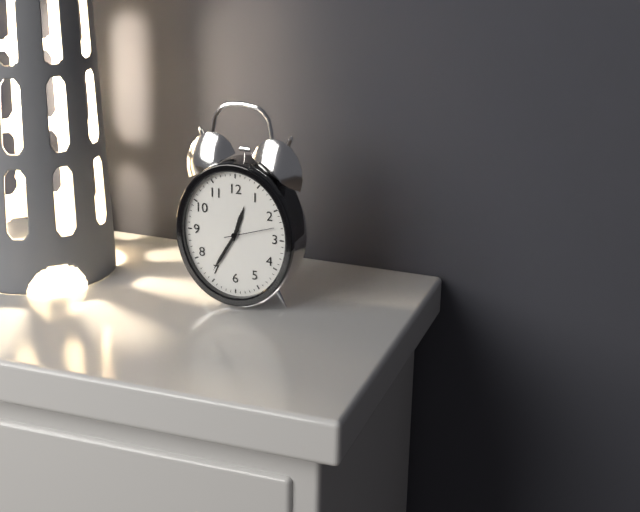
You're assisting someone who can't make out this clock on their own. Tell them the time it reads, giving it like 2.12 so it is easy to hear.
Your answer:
12.35
